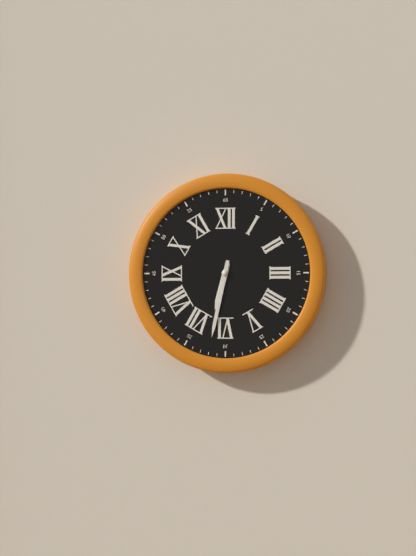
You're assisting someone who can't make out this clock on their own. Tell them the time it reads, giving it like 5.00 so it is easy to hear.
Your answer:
6.32
